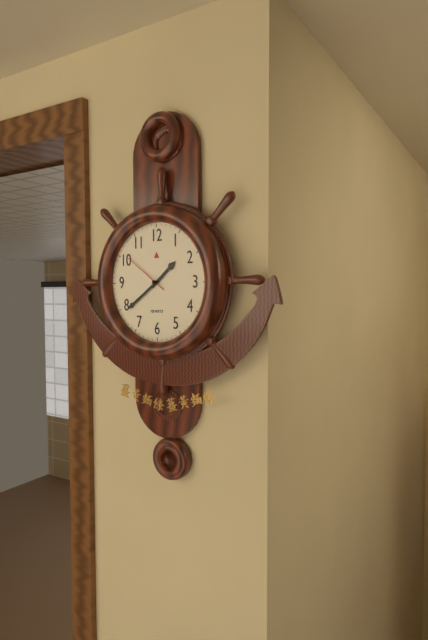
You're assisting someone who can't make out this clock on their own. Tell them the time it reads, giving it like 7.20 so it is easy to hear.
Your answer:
1.39
